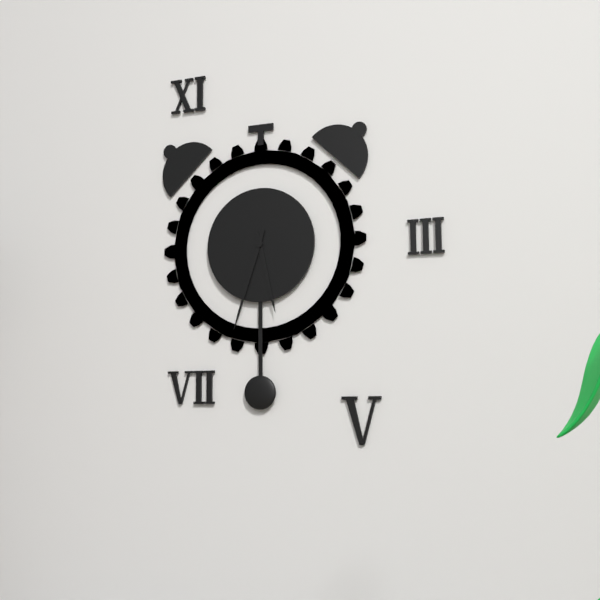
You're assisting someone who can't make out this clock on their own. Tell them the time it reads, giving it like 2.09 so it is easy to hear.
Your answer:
5.33
